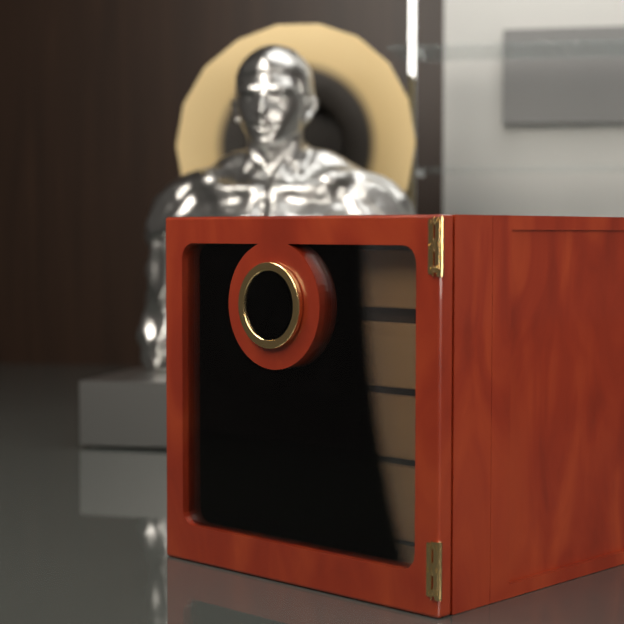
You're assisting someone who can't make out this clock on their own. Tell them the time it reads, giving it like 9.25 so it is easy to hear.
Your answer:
11.32
